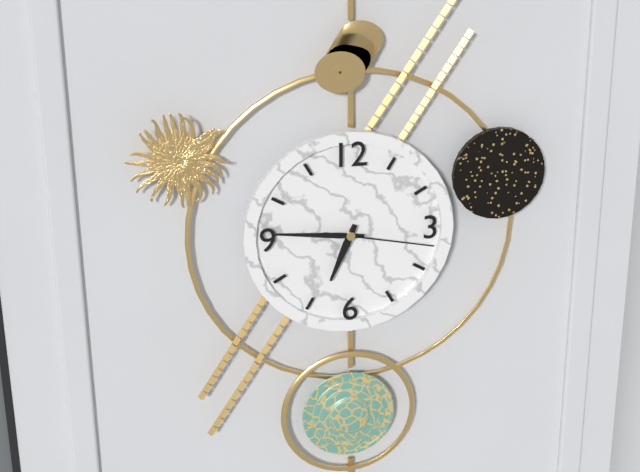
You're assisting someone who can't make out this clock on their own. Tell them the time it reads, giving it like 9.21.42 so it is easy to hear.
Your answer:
6.46.17
